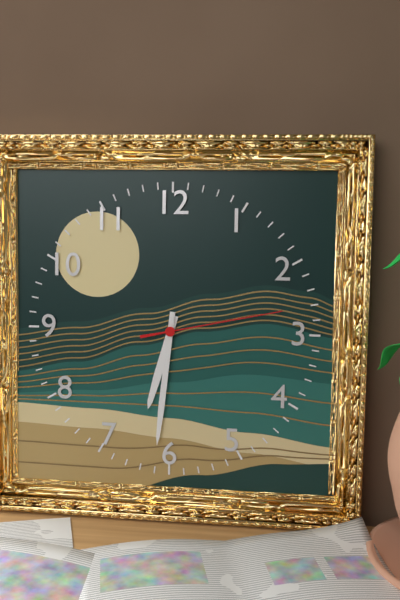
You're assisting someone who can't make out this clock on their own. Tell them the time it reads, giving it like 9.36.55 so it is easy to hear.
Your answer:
6.31.13
